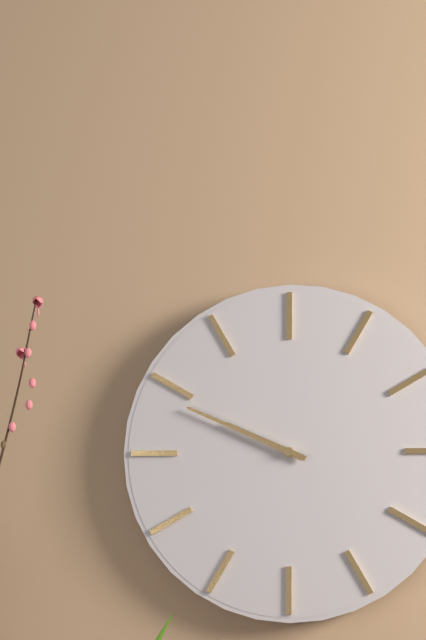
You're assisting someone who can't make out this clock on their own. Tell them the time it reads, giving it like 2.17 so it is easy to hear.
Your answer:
9.49
